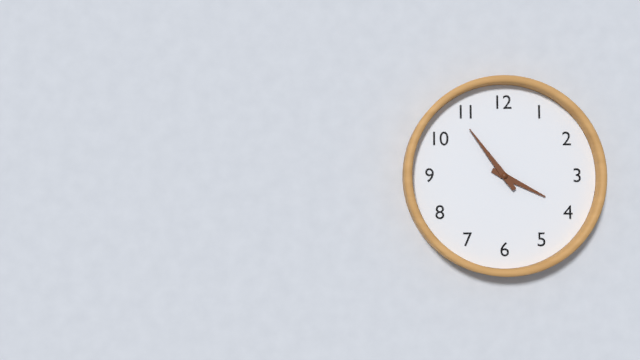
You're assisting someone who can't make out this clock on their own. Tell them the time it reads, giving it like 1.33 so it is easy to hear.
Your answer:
3.54
